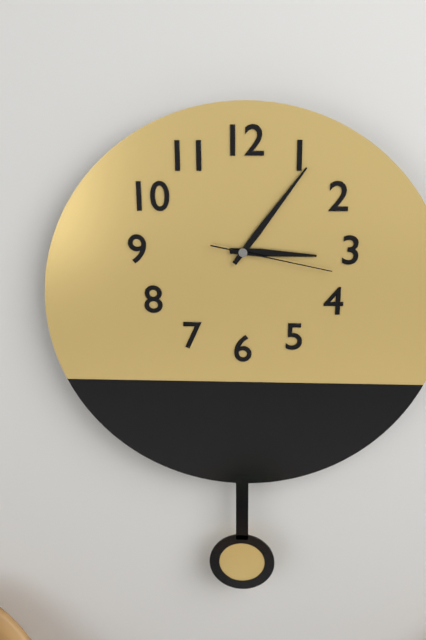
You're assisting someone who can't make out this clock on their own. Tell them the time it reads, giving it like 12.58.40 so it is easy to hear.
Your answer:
3.06.17
